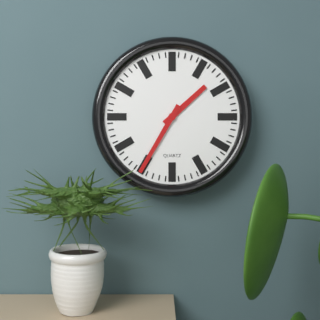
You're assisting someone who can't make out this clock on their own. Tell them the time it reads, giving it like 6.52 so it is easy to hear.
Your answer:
1.35
